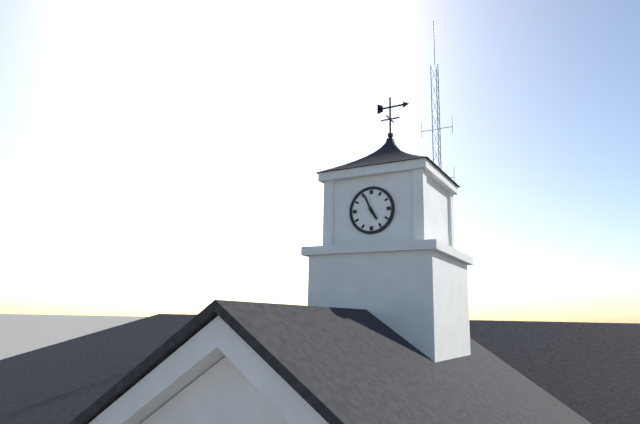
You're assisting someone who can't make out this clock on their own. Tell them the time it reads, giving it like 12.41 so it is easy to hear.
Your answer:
4.56
